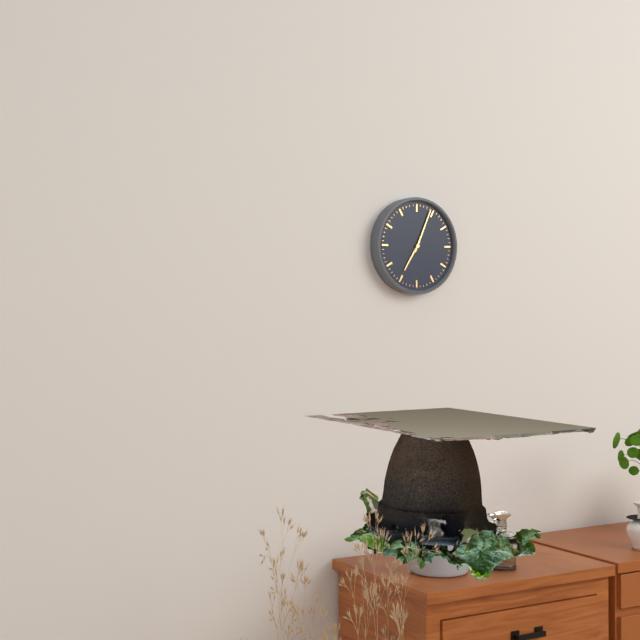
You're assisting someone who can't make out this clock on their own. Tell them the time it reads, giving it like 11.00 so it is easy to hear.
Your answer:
7.04
